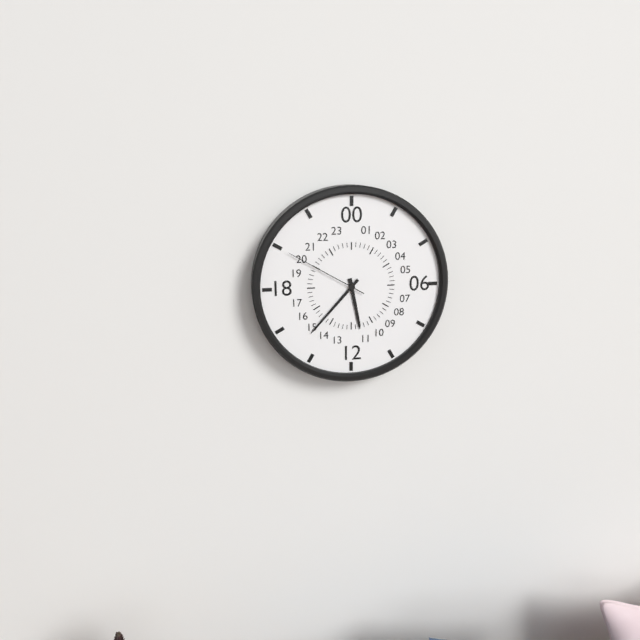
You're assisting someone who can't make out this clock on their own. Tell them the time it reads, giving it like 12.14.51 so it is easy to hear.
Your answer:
5.37.50
